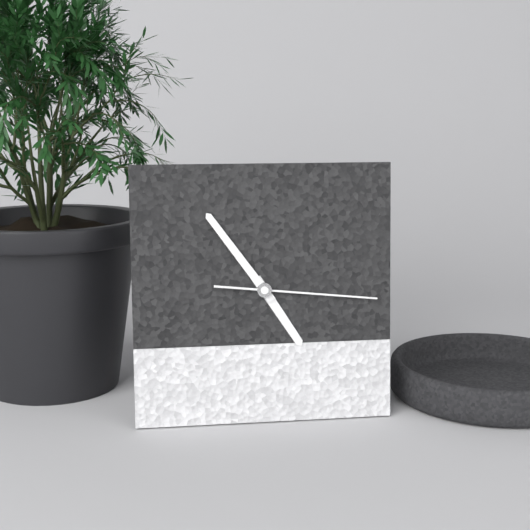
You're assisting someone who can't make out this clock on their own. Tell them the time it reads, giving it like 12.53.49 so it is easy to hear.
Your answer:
4.54.16
